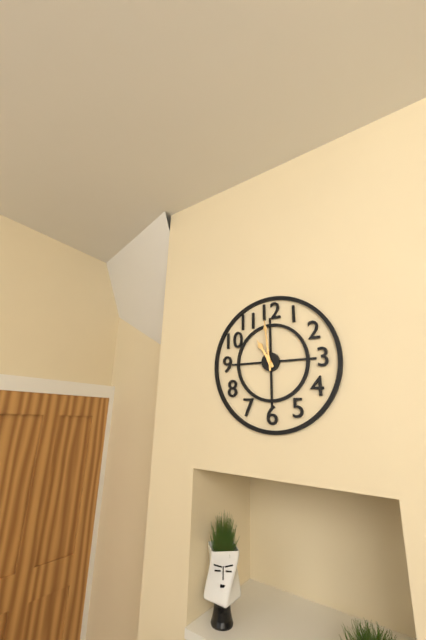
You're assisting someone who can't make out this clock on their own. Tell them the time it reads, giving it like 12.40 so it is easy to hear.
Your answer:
10.59
